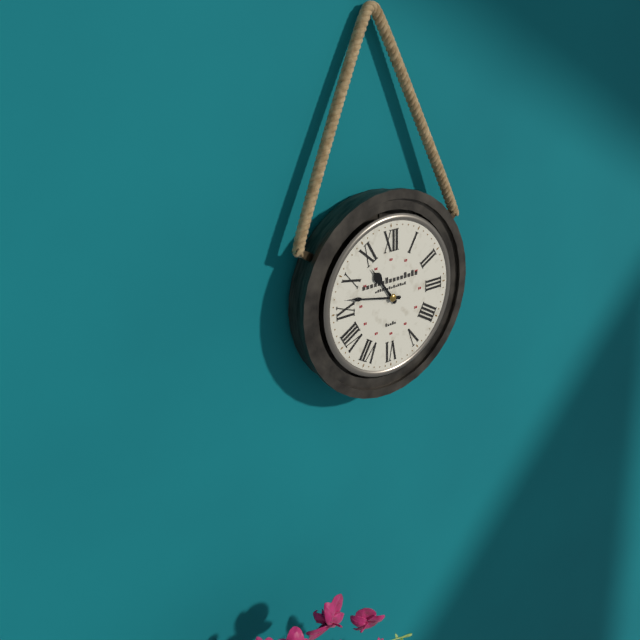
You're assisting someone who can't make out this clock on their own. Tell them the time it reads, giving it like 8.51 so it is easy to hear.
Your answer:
10.47
